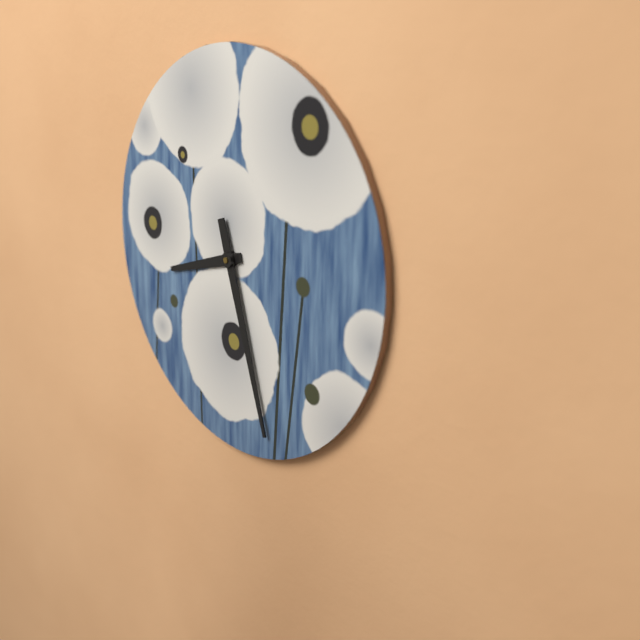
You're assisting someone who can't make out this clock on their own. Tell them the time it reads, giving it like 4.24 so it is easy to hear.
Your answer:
8.27
